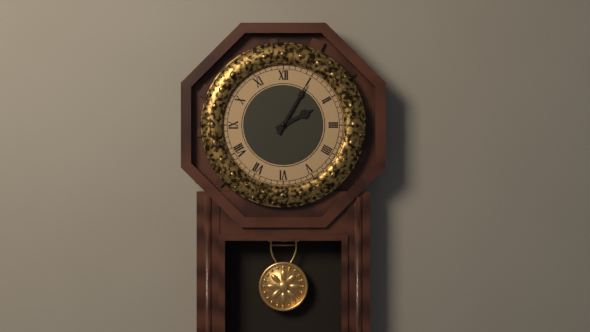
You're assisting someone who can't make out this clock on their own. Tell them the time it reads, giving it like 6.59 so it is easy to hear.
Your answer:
2.05
